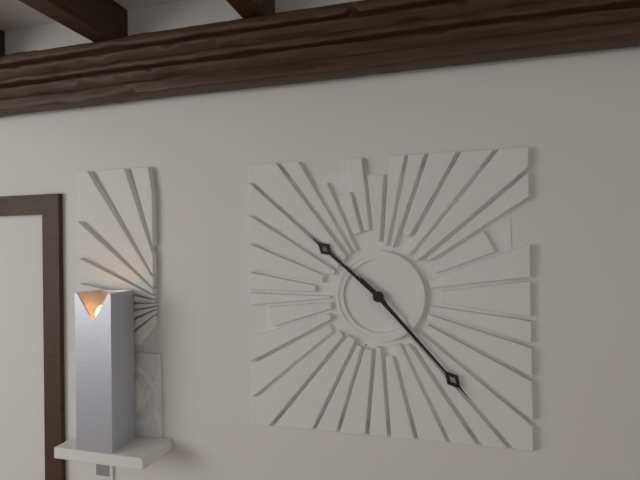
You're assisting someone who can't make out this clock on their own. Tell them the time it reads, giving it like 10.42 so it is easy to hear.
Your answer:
10.23
